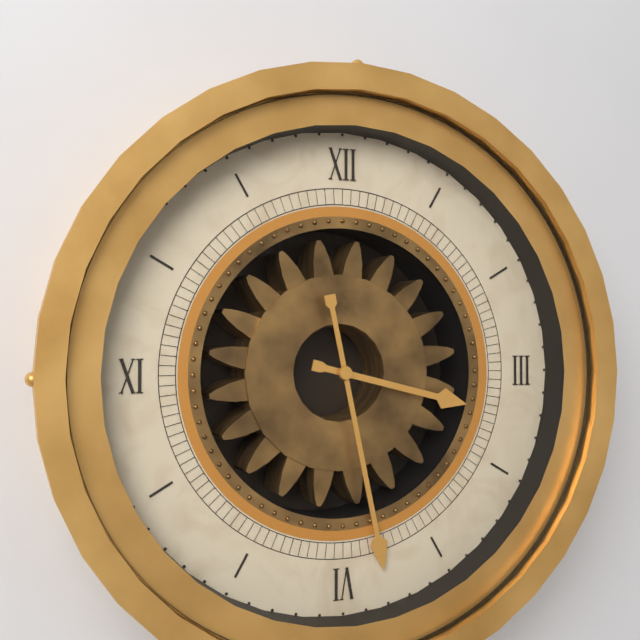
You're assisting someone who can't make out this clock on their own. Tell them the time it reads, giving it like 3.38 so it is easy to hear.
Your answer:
3.28
